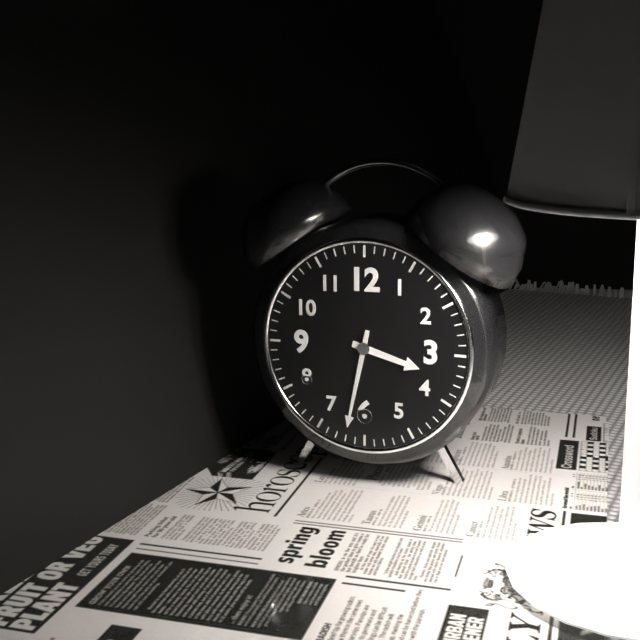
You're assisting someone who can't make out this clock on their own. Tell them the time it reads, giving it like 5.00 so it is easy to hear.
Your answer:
3.32
